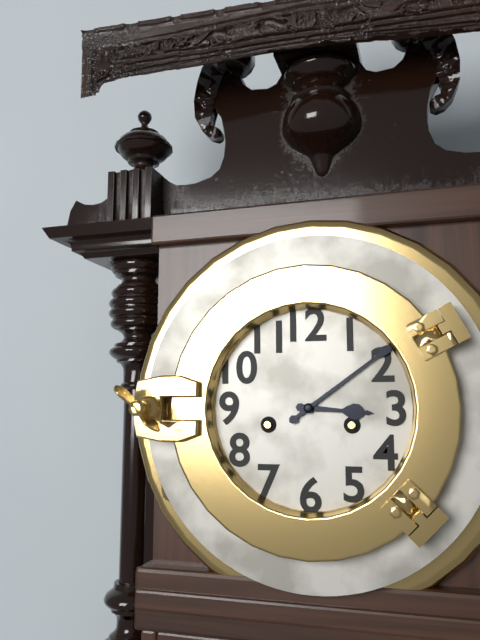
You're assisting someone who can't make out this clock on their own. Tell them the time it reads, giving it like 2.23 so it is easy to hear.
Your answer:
3.09
